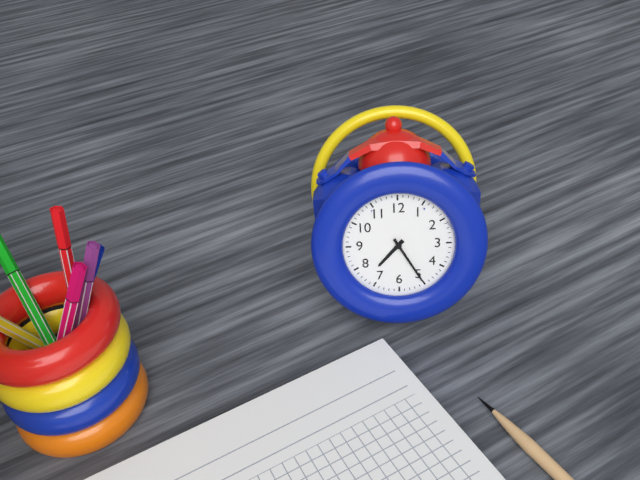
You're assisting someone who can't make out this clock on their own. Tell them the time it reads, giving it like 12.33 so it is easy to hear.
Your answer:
7.25
